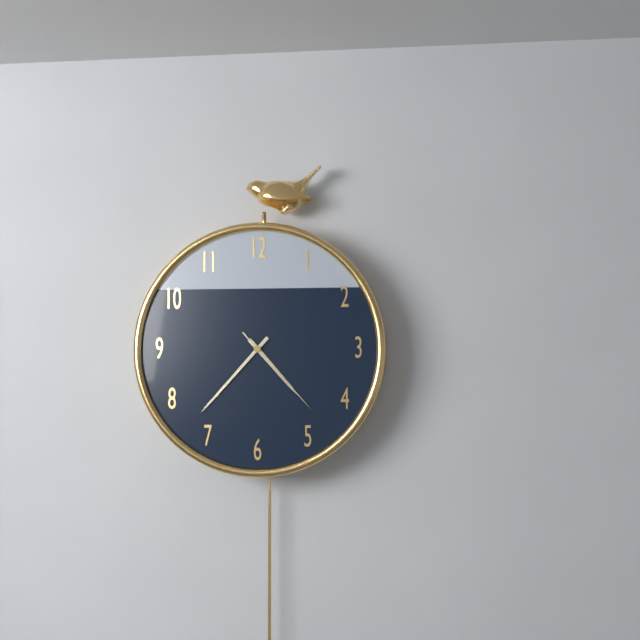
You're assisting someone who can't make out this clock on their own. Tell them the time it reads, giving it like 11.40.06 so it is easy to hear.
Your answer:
4.37.23
